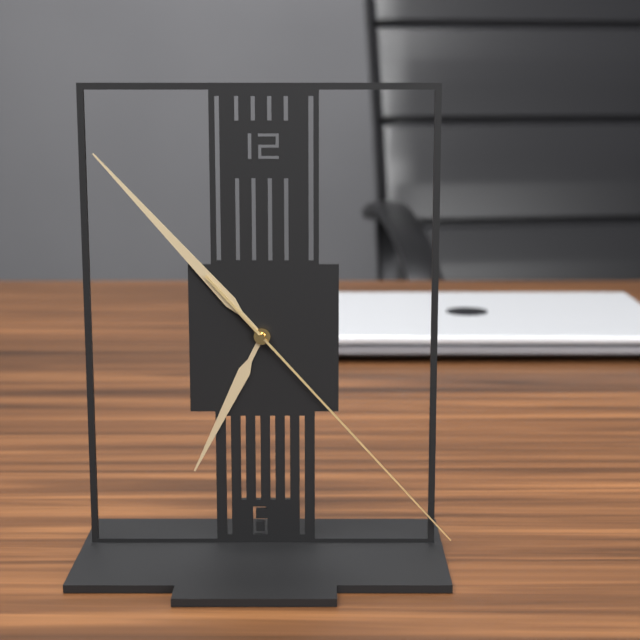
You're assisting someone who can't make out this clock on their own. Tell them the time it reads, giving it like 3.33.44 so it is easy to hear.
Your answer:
6.53.23
